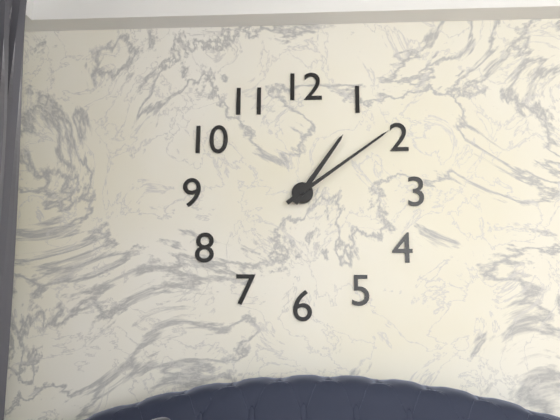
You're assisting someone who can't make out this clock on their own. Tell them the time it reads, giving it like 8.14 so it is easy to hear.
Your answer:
1.09
